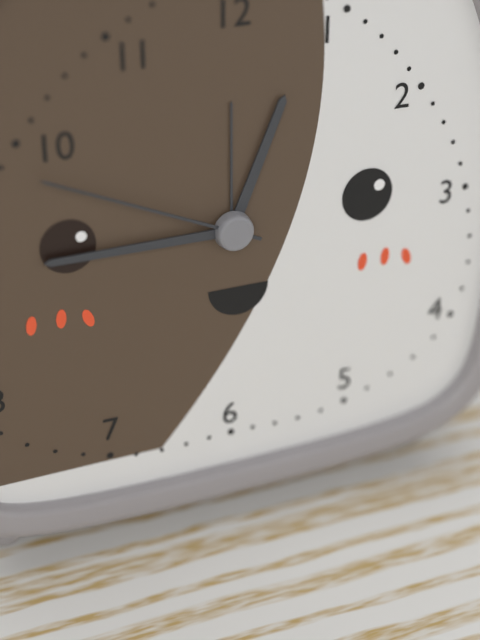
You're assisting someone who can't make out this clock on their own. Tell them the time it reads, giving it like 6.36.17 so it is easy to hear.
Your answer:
12.45.49
